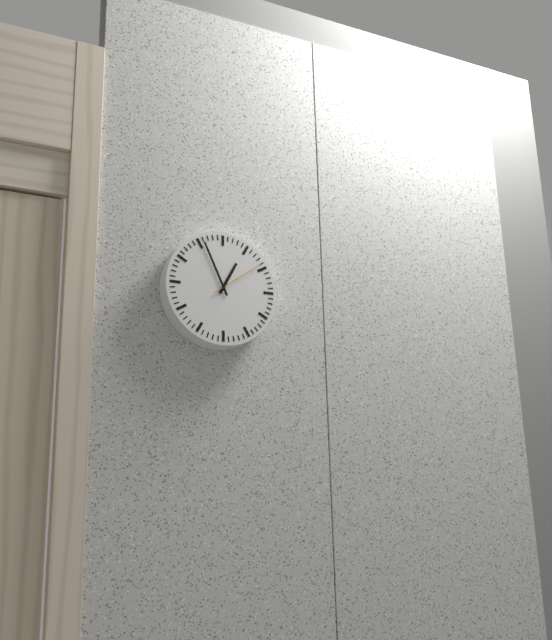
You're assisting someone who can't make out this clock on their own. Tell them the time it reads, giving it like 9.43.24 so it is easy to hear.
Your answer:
12.56.09
